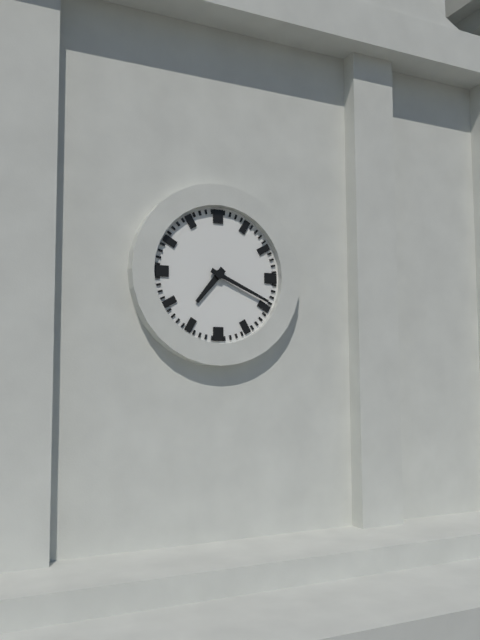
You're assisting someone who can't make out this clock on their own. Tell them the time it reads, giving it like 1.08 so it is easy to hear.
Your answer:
7.19
